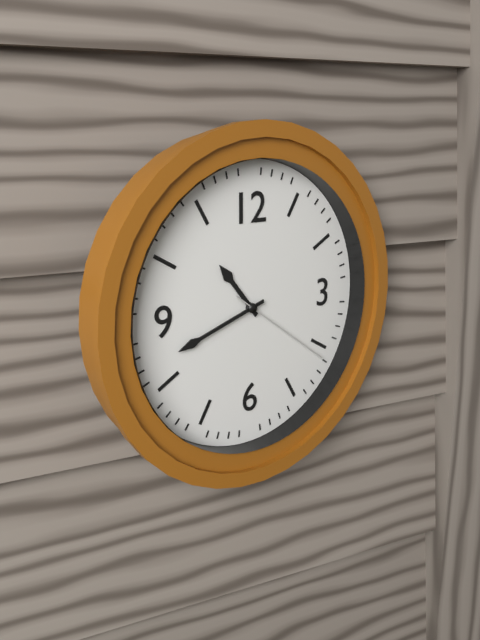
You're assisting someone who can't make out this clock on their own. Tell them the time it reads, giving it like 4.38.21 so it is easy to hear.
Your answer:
10.42.21
